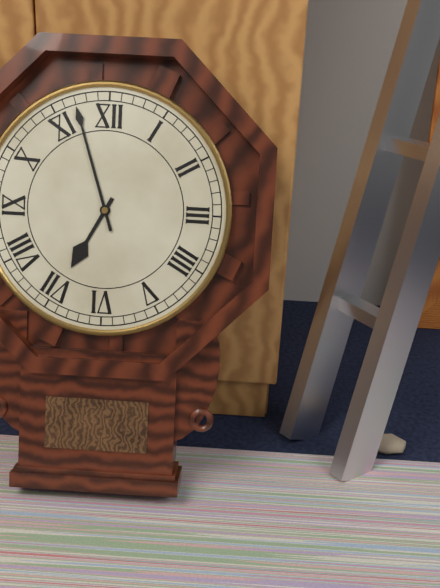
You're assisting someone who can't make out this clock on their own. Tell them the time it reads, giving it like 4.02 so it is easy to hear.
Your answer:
6.57
